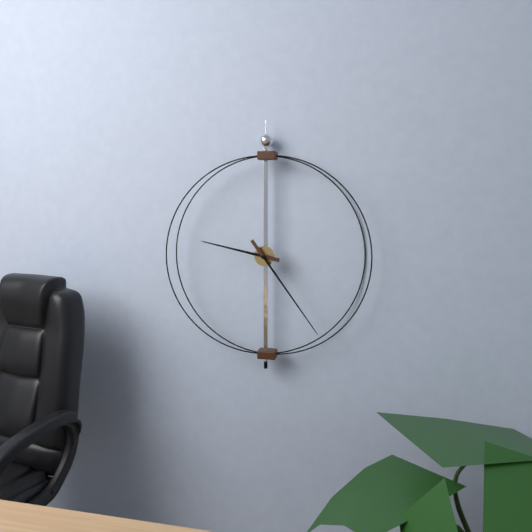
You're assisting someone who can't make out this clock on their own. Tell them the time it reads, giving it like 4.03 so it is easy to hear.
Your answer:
9.24
